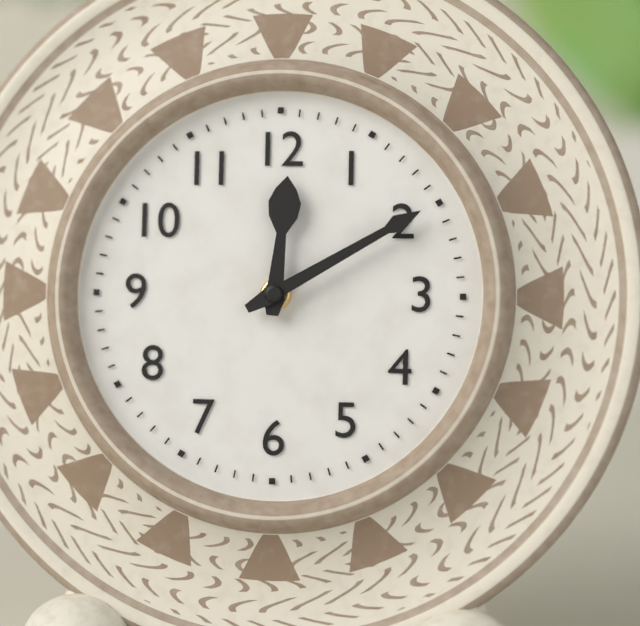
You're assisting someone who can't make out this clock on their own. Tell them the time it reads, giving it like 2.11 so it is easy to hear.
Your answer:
12.10
